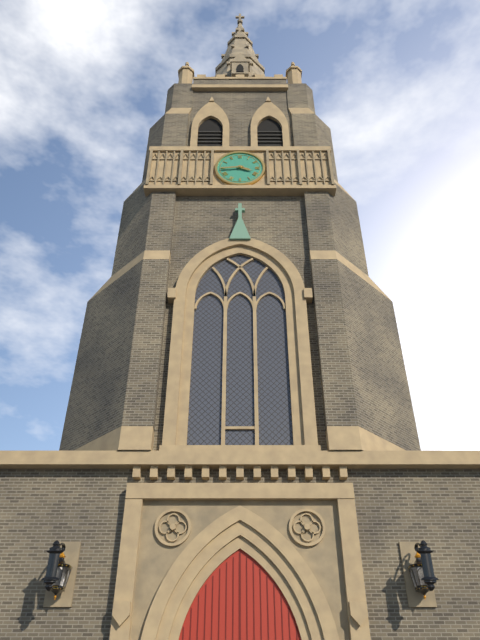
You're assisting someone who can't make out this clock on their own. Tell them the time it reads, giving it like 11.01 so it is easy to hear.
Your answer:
3.44
